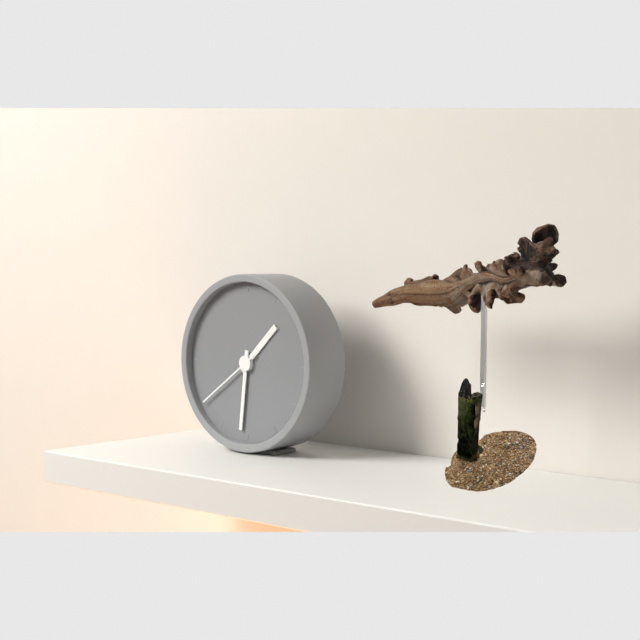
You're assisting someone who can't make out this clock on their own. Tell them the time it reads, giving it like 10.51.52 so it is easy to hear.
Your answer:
1.31.39
